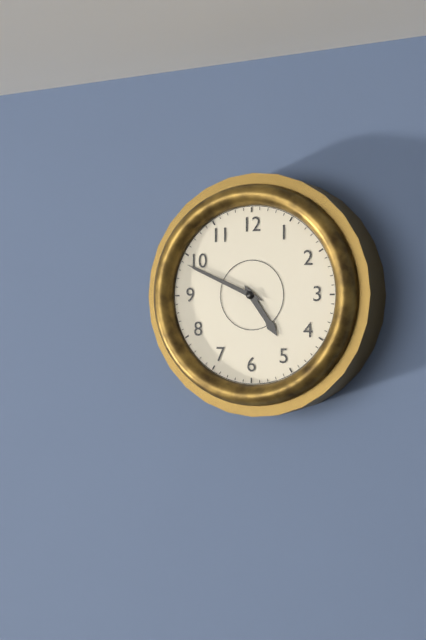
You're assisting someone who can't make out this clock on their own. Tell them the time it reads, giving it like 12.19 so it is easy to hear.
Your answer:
4.49
